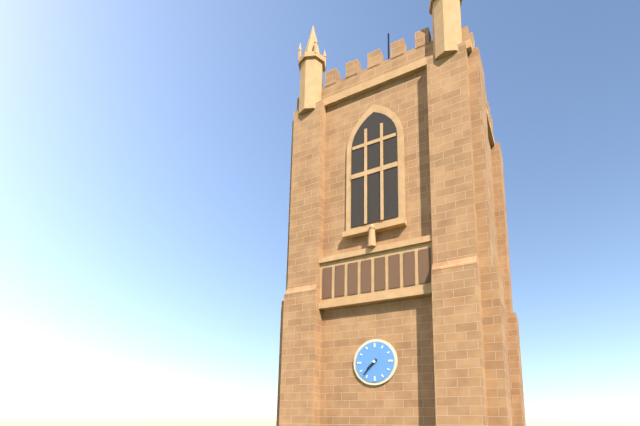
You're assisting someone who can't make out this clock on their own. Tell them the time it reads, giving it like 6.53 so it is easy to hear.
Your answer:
7.37
